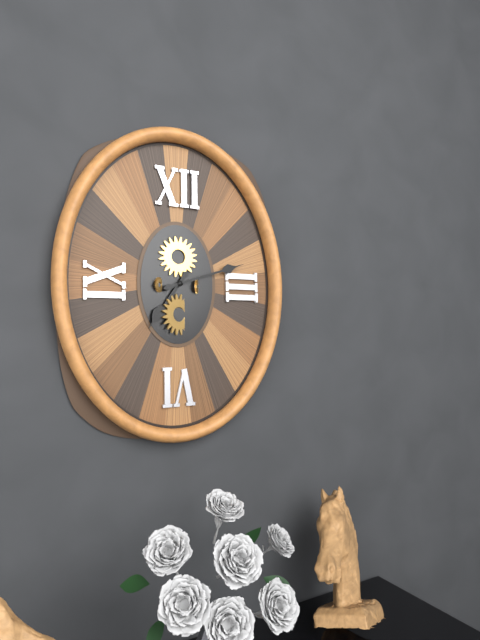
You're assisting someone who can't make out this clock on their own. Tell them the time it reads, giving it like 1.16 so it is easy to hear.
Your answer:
7.12
